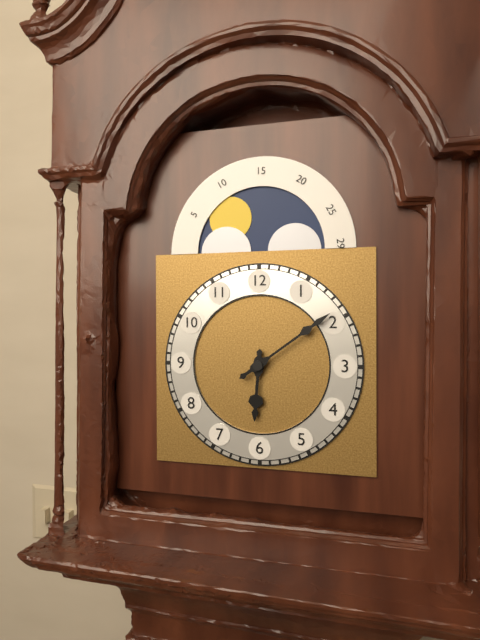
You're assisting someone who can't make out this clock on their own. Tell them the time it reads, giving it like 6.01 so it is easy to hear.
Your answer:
6.09
